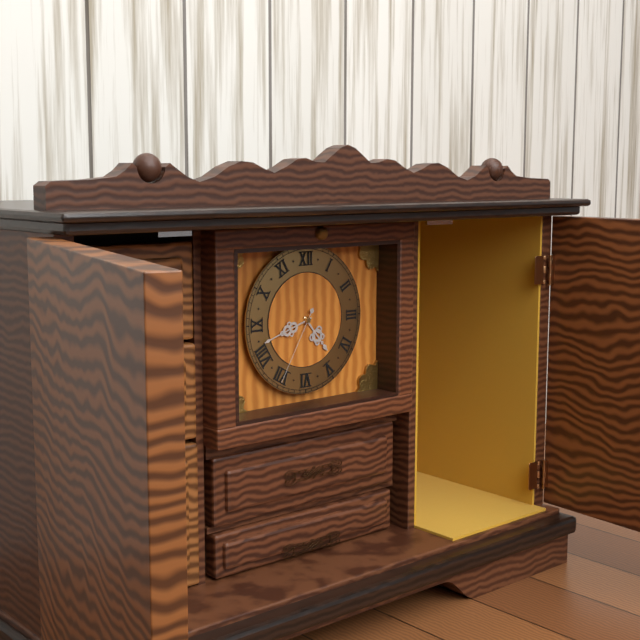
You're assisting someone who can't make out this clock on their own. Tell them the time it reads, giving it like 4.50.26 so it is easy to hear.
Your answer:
4.42.35
